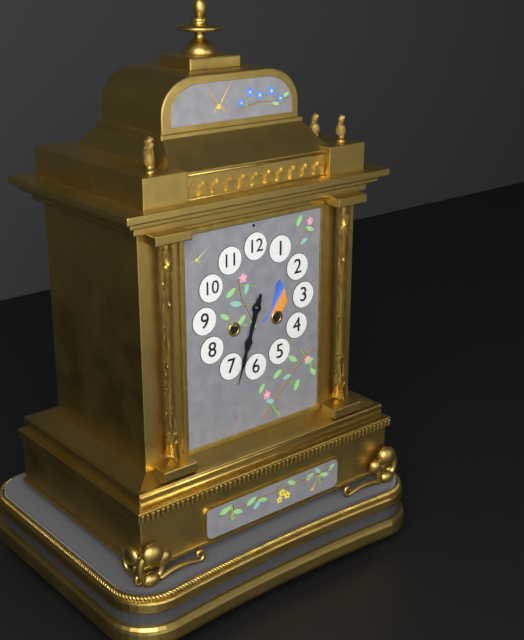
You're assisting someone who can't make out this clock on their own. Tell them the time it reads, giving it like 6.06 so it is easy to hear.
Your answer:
6.33
